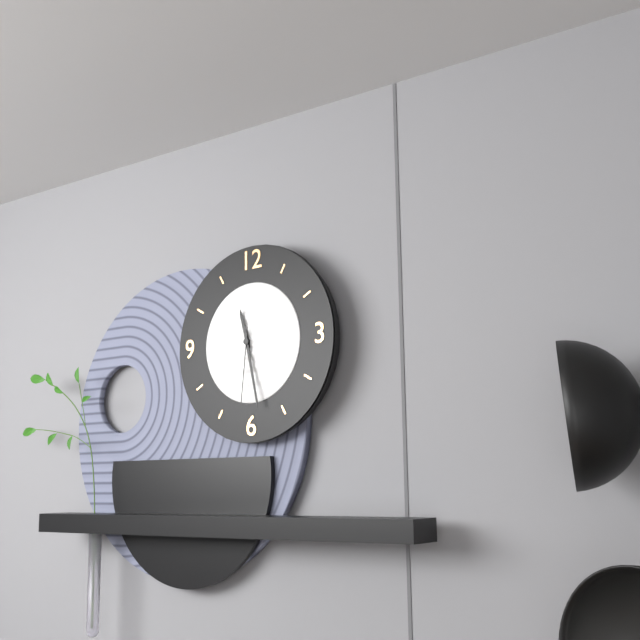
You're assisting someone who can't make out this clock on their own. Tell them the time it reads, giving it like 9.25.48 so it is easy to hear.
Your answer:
11.28.31
